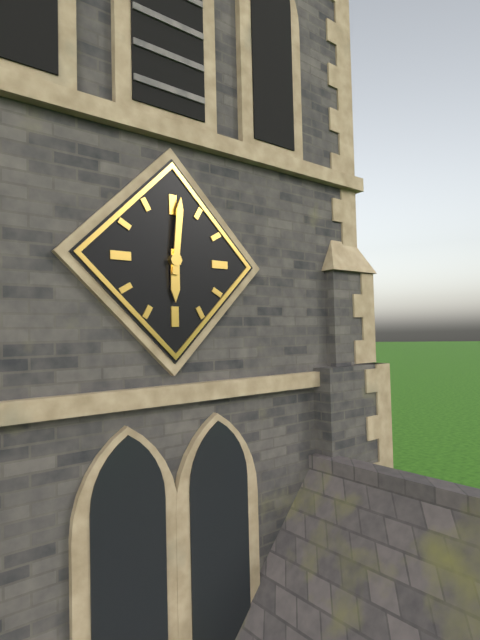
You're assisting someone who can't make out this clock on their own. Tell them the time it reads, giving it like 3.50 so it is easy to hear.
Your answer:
6.01
